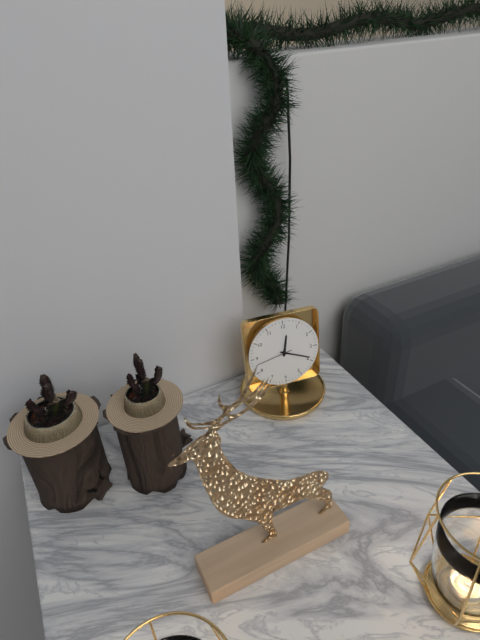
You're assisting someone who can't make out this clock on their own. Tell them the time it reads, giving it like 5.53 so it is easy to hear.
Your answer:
12.19
